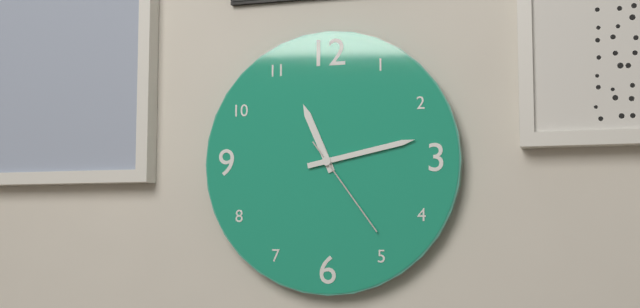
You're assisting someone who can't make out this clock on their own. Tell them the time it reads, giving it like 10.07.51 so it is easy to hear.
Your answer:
11.13.24
